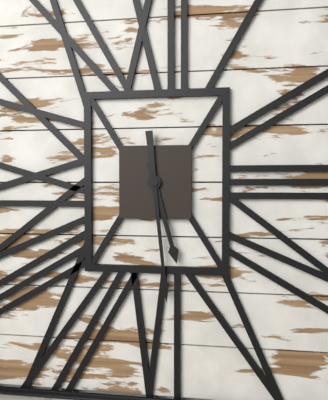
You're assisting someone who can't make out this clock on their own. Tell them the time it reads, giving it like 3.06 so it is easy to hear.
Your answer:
5.29
